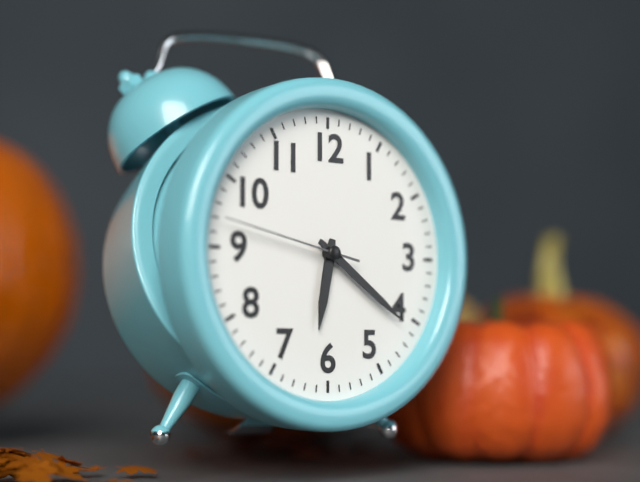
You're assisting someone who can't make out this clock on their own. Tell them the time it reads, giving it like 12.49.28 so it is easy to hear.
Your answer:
6.21.47
